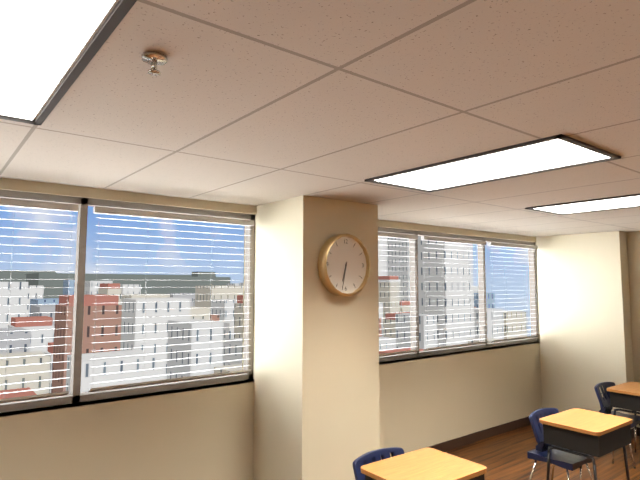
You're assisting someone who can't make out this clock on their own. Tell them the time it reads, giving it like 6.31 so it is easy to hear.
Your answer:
6.32
